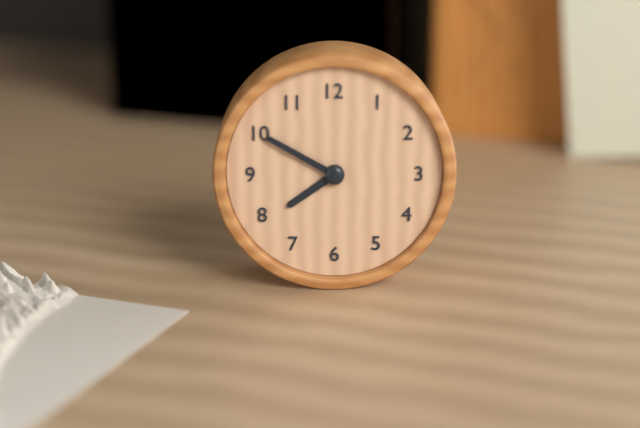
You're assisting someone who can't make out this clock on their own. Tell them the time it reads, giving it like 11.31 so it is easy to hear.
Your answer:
7.50
